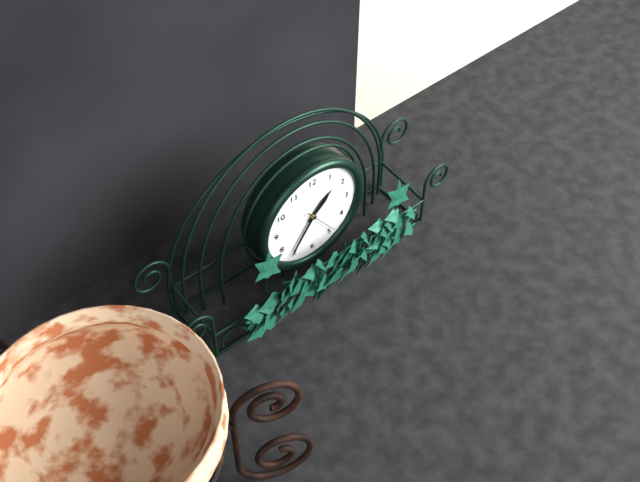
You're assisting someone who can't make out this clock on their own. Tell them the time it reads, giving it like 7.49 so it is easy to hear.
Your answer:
1.36
